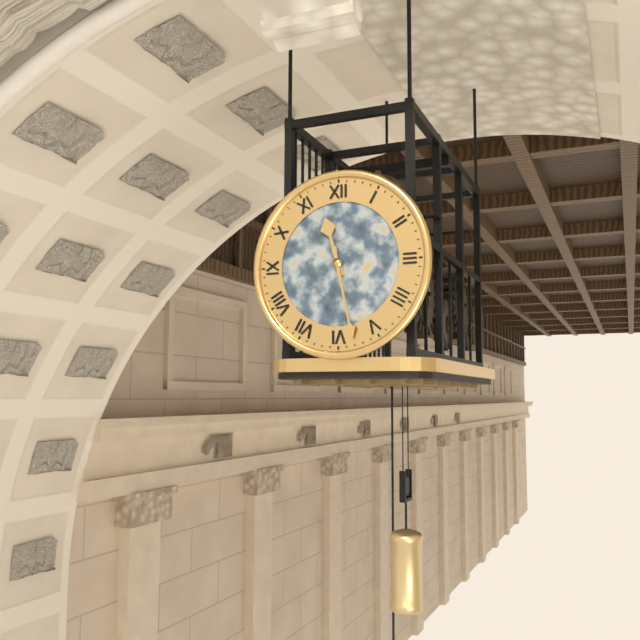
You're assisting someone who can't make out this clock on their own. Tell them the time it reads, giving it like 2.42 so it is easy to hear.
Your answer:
11.28
